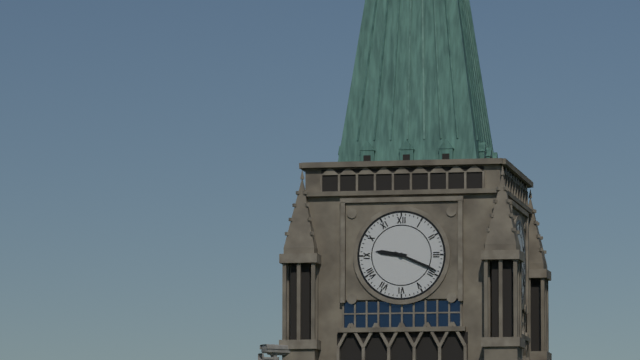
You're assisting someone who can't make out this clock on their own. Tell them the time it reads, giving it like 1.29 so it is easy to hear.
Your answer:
9.19
